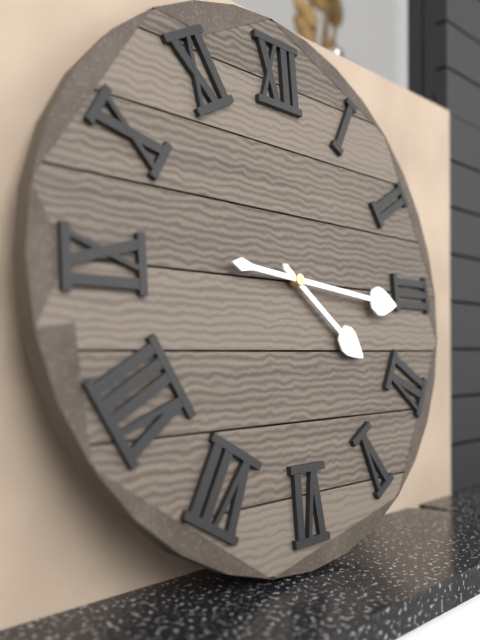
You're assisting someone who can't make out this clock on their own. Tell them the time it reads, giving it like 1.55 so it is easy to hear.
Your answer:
4.16
